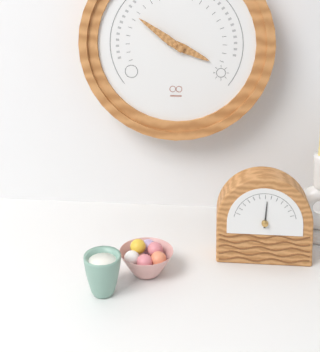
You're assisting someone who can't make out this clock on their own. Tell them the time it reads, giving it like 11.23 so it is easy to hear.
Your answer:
3.51
